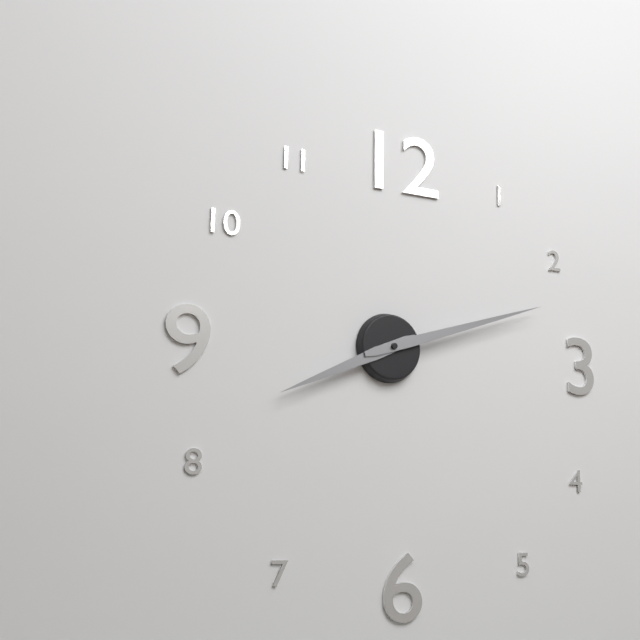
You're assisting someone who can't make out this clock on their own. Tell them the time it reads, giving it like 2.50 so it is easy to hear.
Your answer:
8.12
